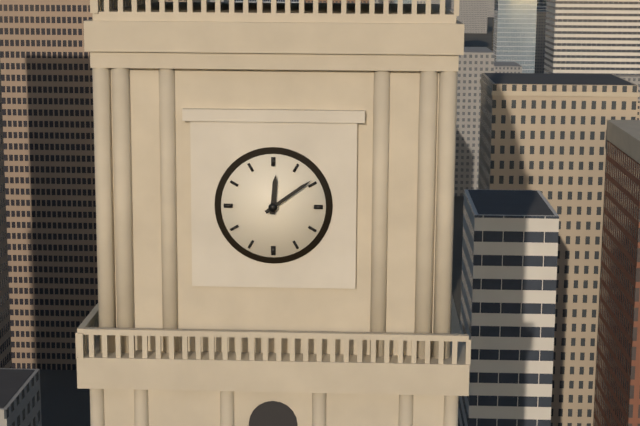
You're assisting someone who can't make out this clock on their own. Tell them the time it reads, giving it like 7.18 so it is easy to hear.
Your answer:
12.09
